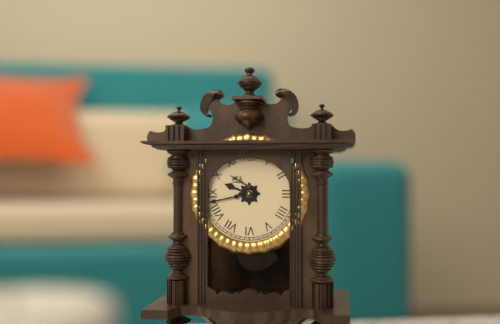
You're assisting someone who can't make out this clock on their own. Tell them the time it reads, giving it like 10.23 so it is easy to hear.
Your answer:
9.43
